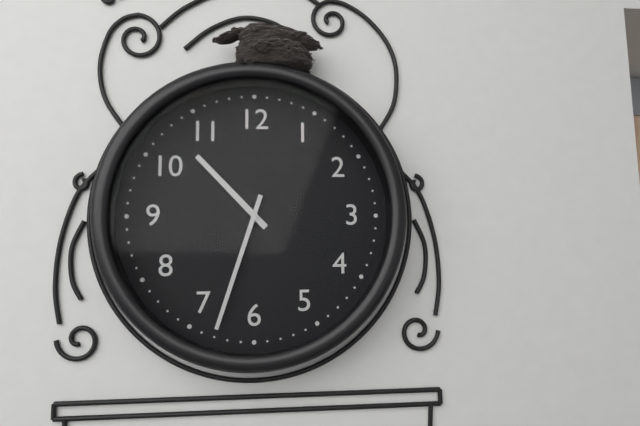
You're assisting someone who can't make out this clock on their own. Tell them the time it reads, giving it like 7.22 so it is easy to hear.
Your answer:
10.33
